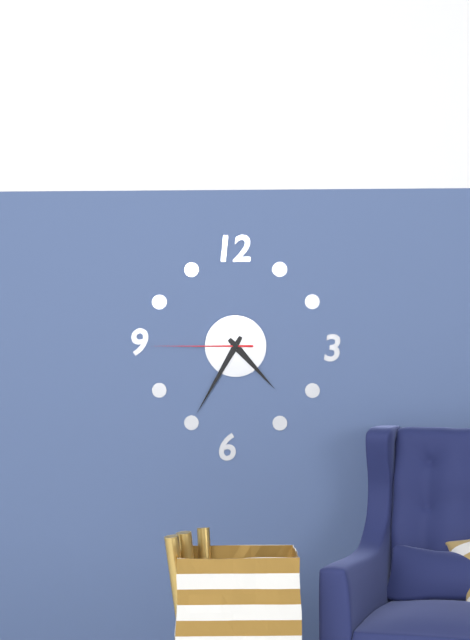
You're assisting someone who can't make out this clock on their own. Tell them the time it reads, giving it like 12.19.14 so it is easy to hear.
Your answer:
4.35.45
